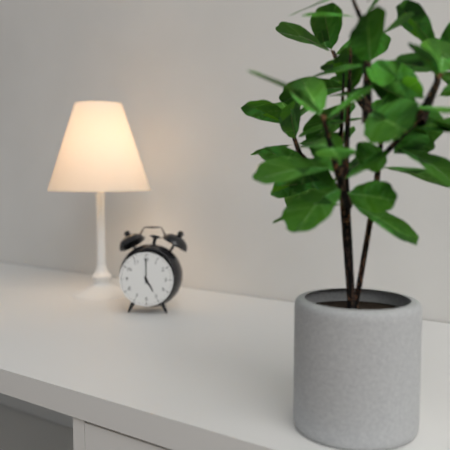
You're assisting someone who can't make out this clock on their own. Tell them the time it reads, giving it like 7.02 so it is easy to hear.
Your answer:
5.00
